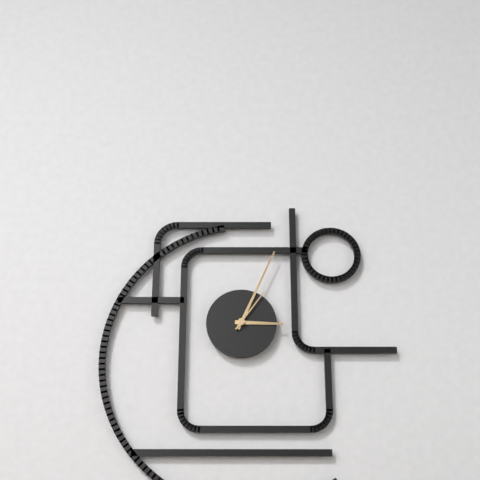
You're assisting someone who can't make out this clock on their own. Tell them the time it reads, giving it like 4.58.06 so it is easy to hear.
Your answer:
3.04.06
